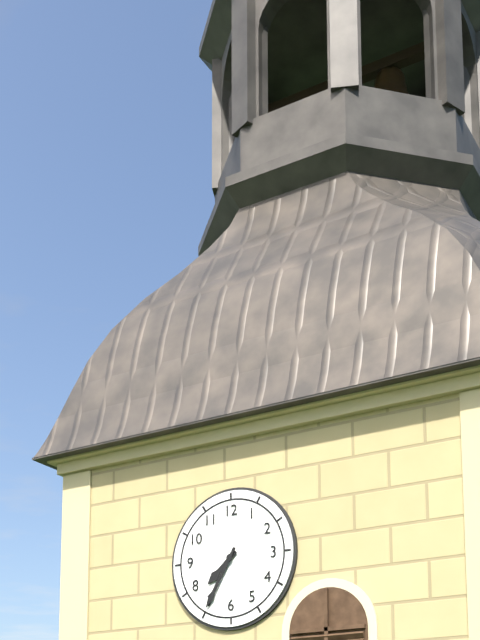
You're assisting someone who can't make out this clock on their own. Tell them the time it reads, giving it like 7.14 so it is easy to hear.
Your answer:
7.35
